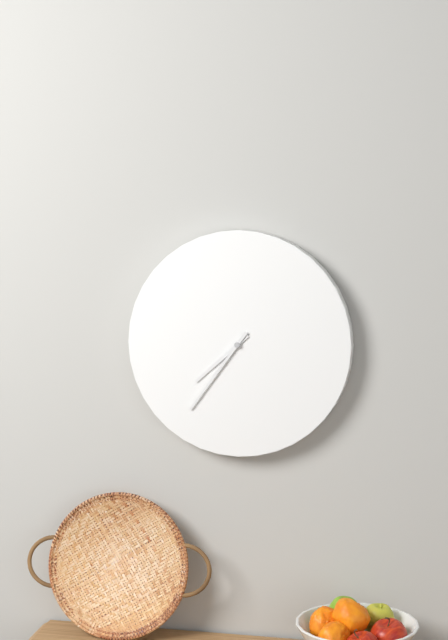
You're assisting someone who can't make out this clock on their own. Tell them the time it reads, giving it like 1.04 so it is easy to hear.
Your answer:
7.36
